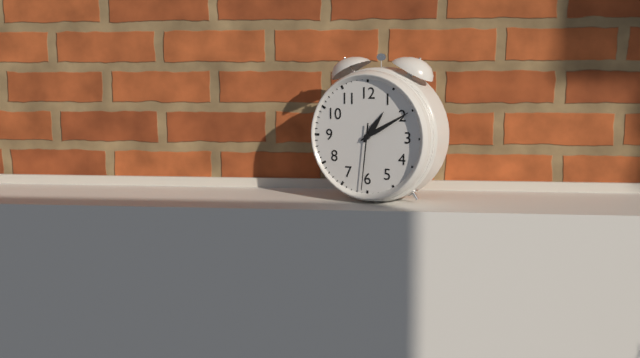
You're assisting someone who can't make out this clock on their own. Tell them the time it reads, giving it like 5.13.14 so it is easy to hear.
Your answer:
1.10.31
